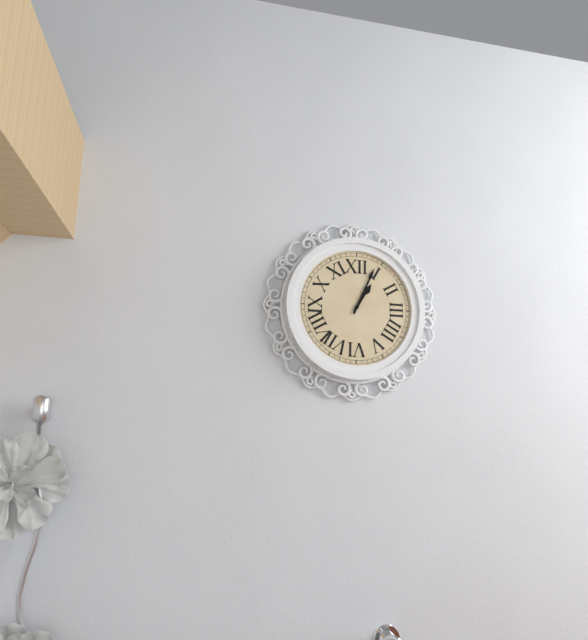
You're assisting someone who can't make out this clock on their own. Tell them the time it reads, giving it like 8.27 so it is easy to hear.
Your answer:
1.04
